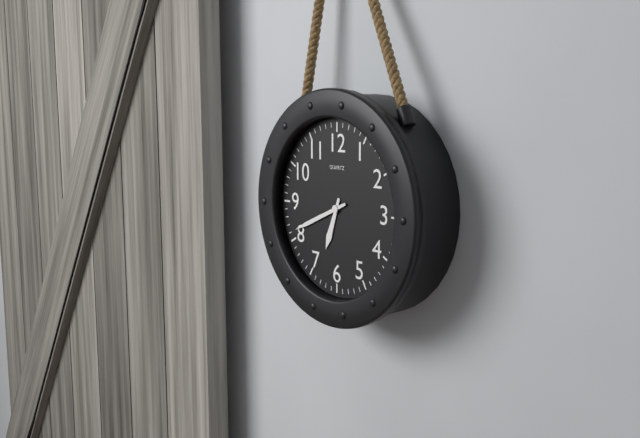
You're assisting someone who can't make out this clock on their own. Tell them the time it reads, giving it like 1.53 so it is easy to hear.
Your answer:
6.41
